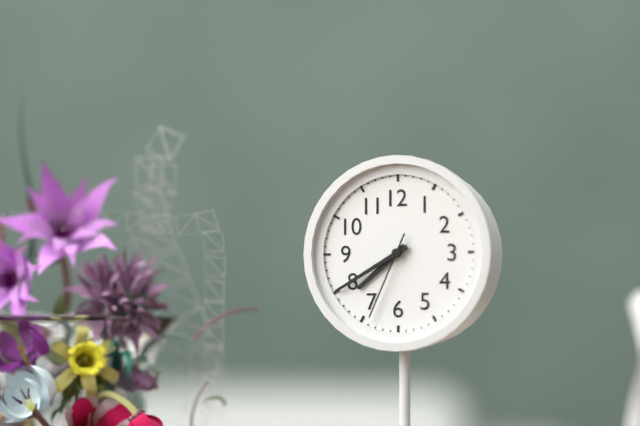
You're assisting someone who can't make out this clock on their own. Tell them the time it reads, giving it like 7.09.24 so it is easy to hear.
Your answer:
7.40.34
